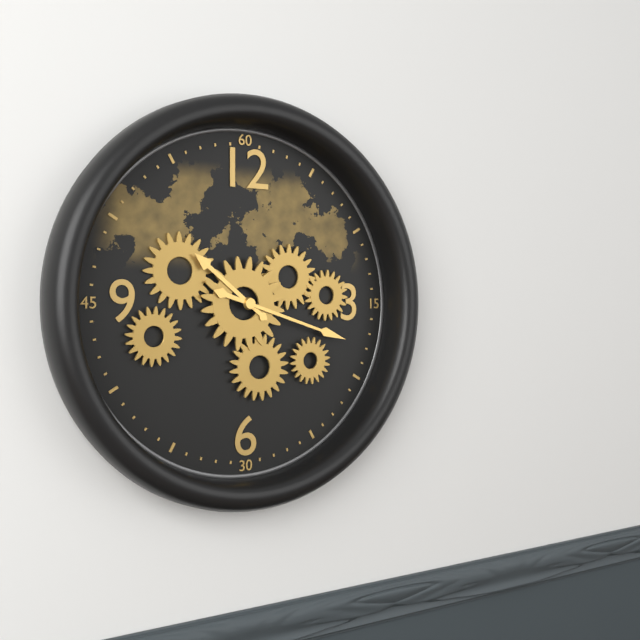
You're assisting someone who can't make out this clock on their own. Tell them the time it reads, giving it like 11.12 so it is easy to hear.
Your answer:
10.18
